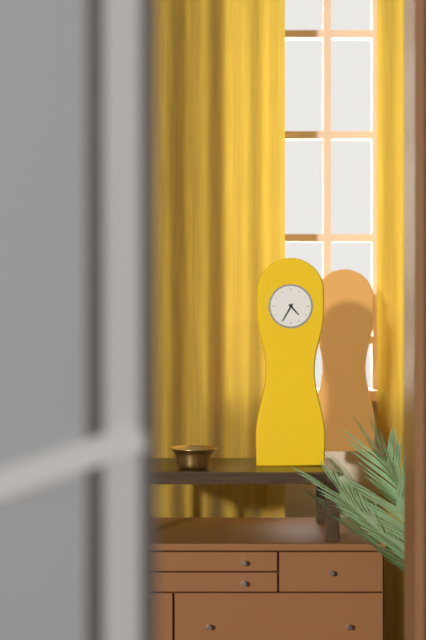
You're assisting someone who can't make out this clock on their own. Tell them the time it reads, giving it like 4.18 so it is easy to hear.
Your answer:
4.35
